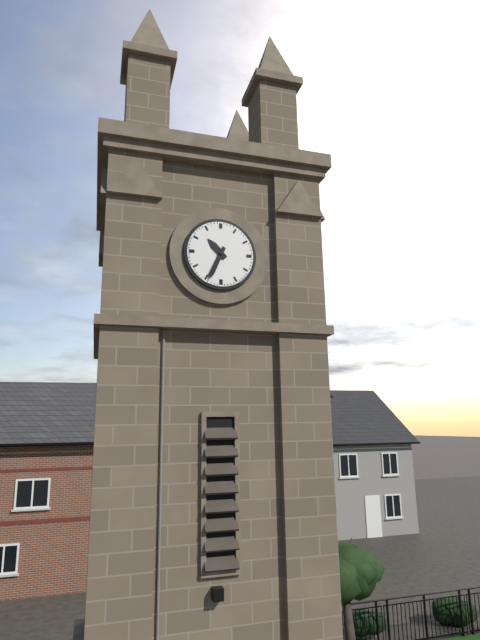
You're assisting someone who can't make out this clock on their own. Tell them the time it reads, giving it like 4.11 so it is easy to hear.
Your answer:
10.34
